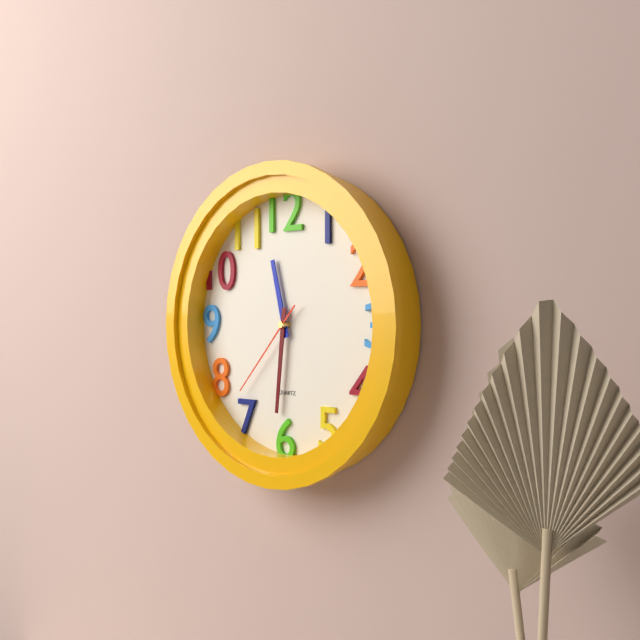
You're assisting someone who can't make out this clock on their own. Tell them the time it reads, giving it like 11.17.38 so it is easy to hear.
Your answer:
11.31.37
